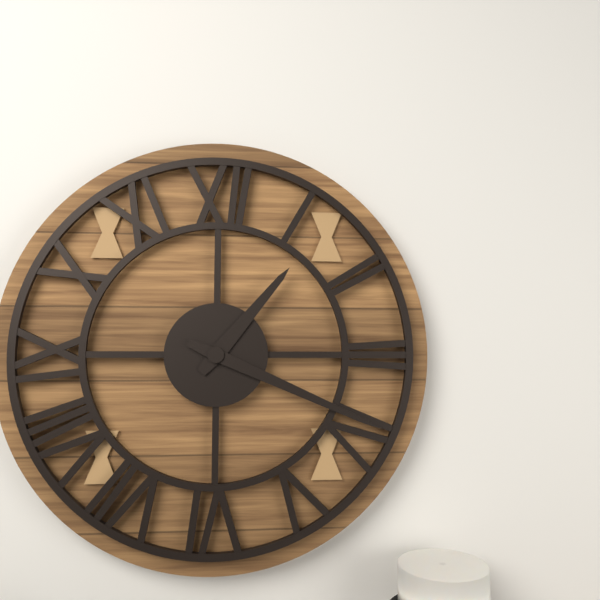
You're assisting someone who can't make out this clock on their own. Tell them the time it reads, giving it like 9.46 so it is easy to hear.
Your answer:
1.19
